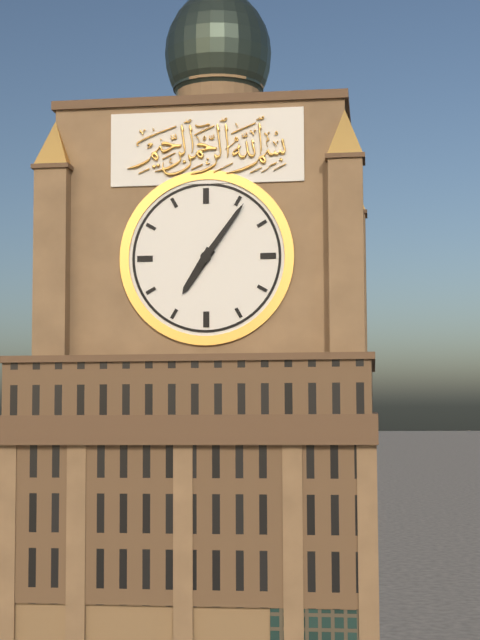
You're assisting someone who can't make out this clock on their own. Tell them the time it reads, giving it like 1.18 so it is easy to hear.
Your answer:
7.06
